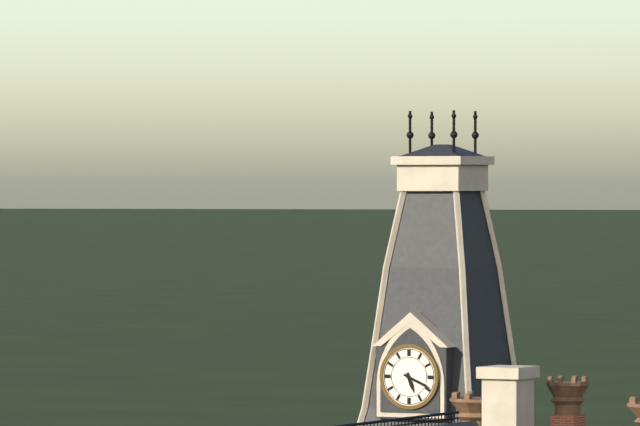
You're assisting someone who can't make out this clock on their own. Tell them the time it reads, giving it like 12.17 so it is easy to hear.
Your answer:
5.19
